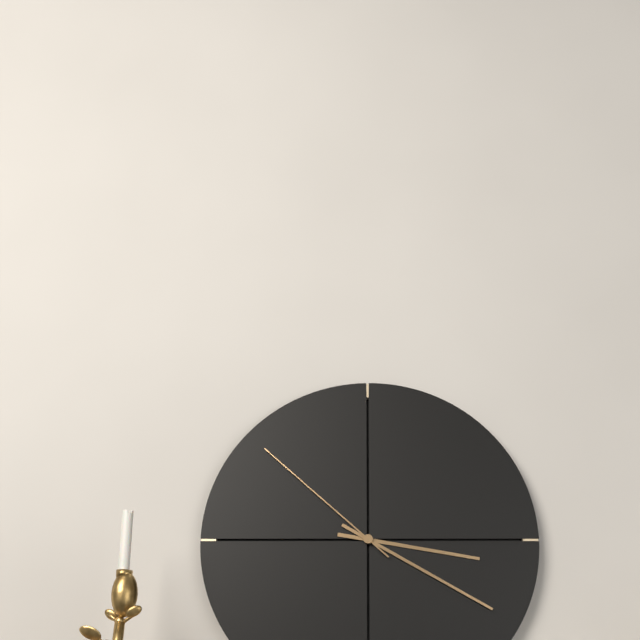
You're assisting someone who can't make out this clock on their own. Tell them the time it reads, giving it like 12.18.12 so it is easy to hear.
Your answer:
3.20.52
